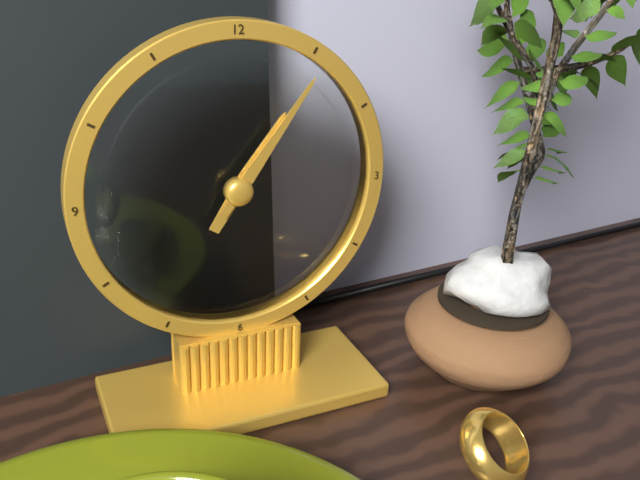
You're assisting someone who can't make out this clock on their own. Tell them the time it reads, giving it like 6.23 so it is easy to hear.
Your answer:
1.06
